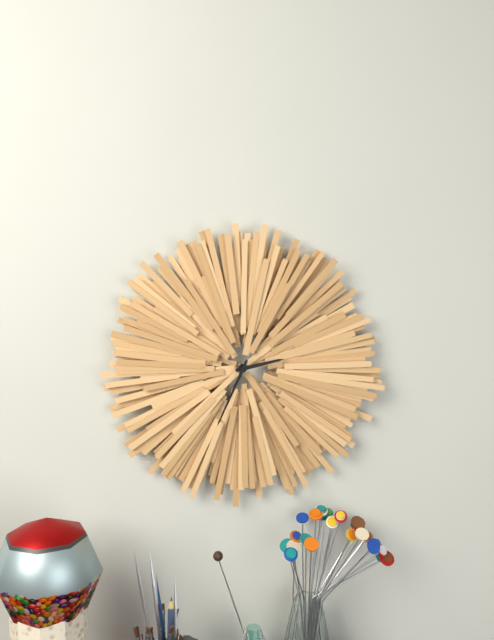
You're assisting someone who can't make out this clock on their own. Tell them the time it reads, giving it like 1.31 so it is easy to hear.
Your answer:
2.34
